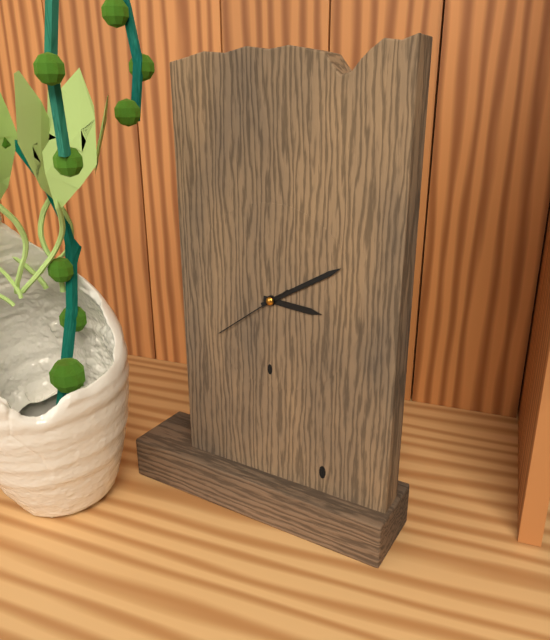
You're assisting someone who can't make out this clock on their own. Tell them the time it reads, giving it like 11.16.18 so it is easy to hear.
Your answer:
3.10.39
